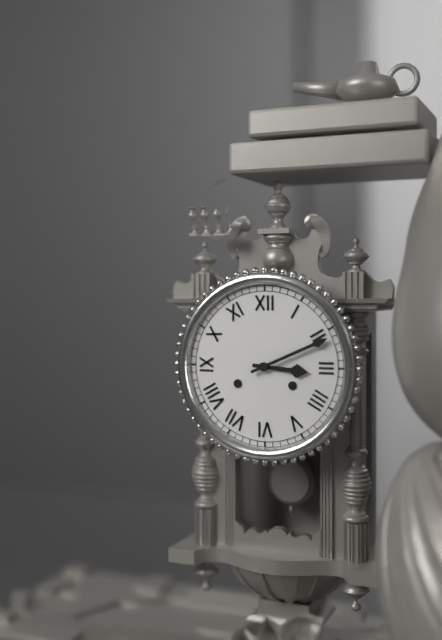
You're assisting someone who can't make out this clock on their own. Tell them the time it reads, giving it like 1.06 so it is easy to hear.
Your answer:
3.11
